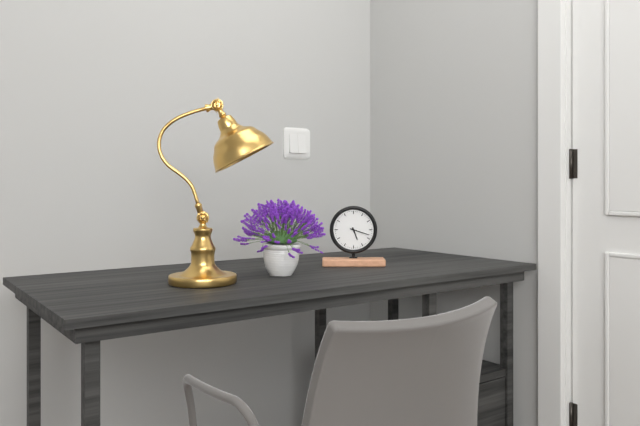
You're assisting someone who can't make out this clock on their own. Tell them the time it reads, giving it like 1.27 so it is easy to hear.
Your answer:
5.18
